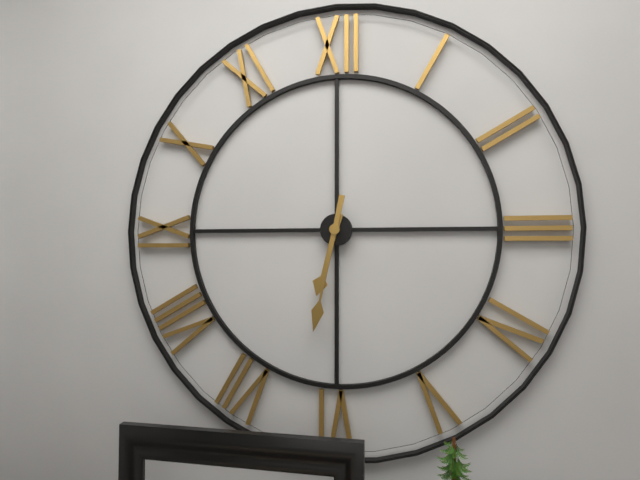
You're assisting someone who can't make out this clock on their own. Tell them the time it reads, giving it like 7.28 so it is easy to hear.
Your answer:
6.32
